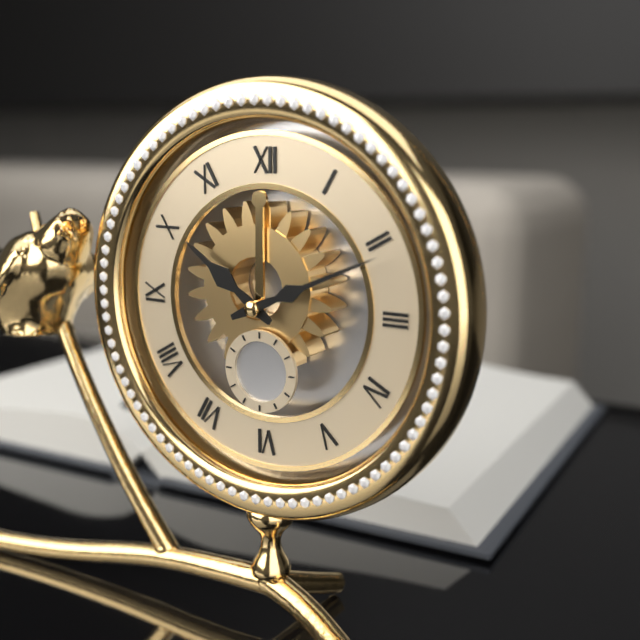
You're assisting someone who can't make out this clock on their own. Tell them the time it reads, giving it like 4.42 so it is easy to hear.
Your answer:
10.11
